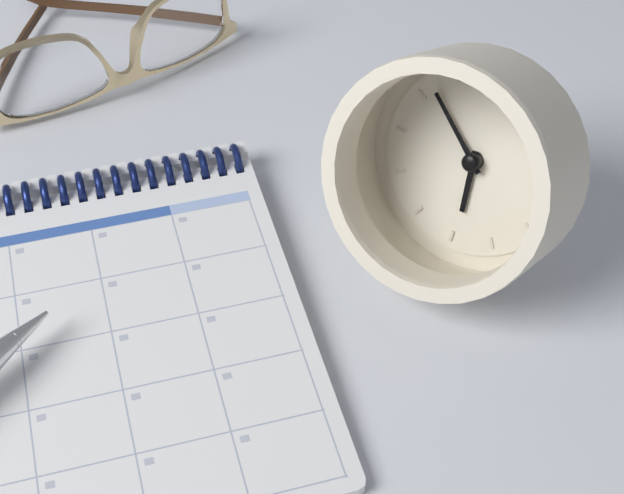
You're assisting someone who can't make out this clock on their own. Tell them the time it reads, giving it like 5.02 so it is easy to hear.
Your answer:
5.52
